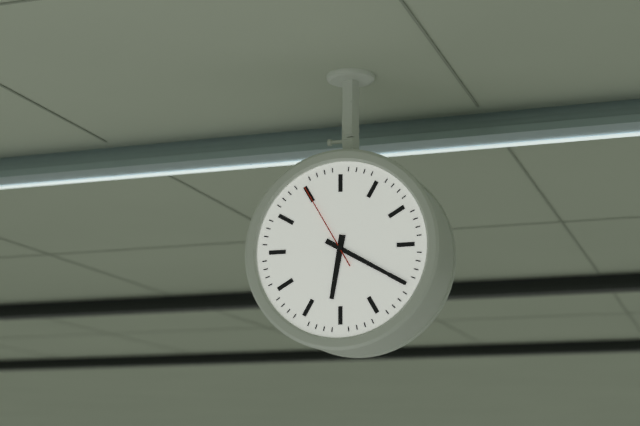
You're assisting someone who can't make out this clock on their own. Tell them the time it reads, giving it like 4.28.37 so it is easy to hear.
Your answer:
6.20.55
